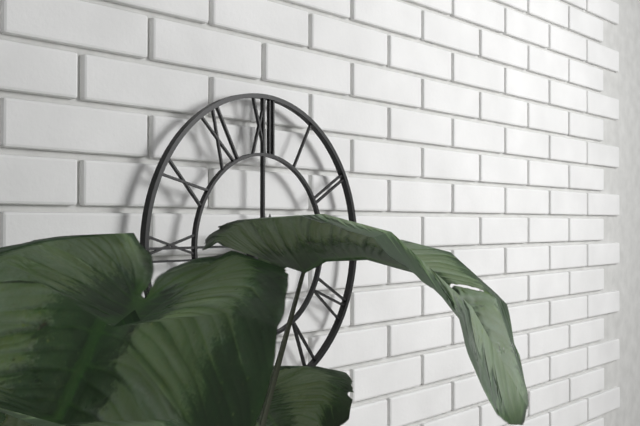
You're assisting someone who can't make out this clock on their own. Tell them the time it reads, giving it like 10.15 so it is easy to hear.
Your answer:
9.30
